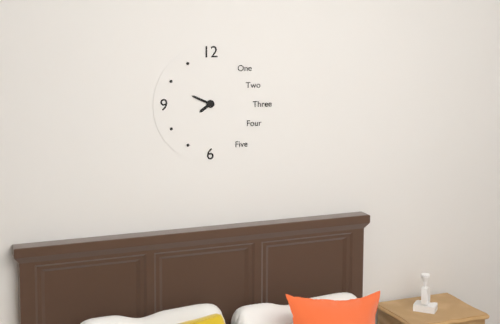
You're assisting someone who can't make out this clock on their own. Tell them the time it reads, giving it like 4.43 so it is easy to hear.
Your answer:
7.49
